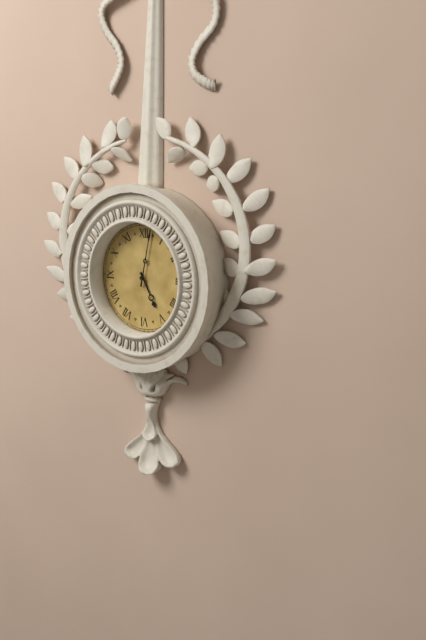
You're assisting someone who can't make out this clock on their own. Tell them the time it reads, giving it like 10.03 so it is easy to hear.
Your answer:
5.02
